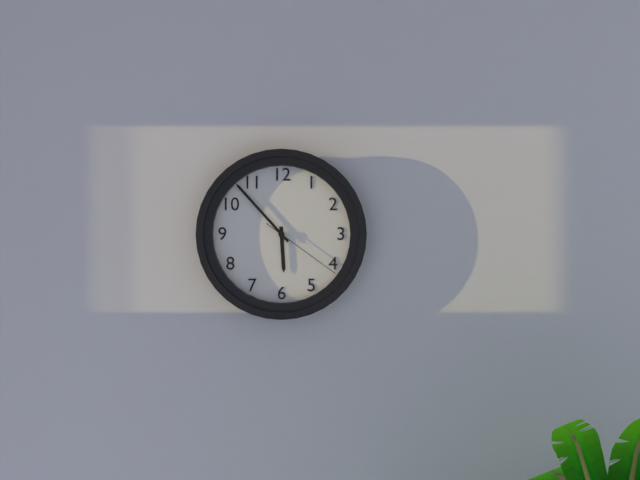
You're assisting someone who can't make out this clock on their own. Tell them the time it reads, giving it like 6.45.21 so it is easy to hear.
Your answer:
5.53.21
